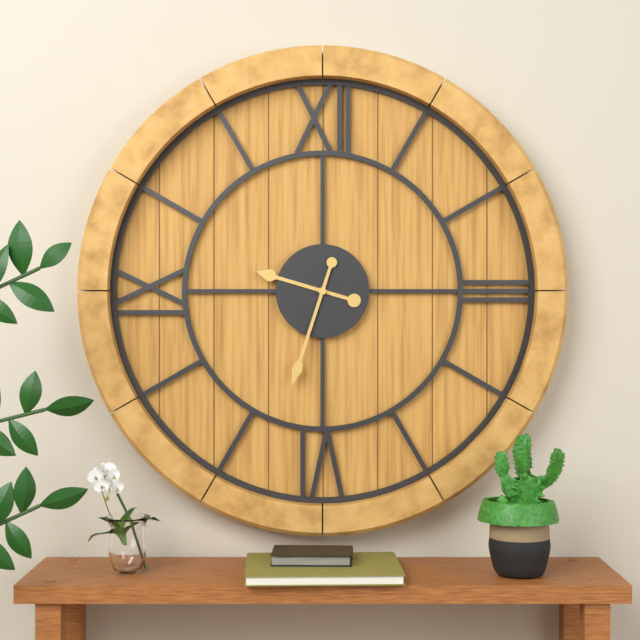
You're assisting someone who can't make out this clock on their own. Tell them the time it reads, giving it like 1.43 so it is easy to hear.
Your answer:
9.33
